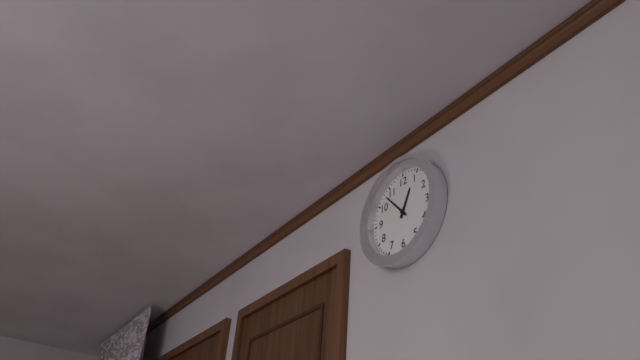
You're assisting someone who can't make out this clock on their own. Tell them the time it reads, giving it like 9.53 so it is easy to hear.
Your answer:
12.53
